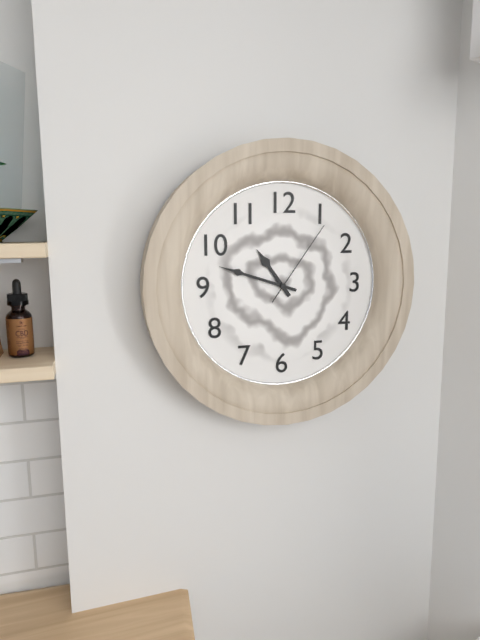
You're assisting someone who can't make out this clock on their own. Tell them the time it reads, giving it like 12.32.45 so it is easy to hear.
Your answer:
10.48.06
